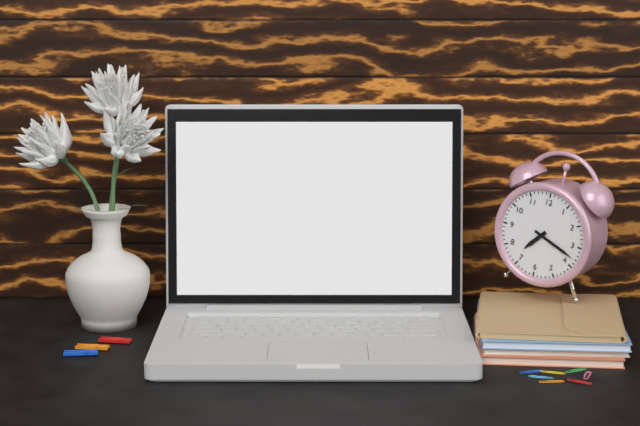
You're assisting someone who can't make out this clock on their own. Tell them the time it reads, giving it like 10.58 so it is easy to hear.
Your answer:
7.18
